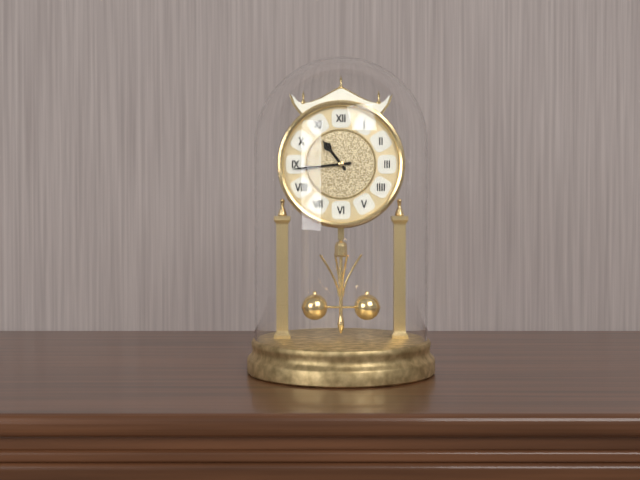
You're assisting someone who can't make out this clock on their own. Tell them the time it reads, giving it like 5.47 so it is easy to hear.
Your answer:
10.44
